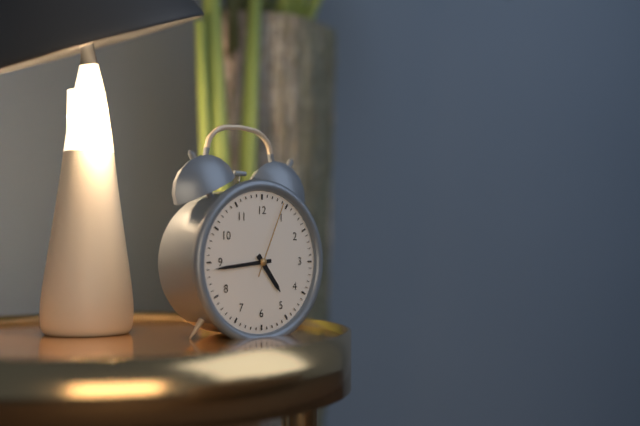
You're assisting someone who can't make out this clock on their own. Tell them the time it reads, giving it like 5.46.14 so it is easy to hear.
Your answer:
4.44.04
